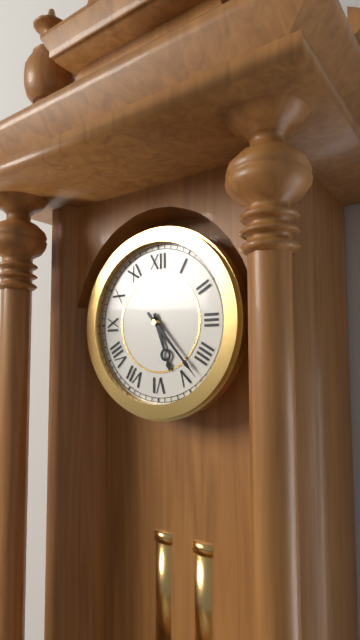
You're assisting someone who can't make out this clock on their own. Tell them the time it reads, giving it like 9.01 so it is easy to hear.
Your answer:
5.23
